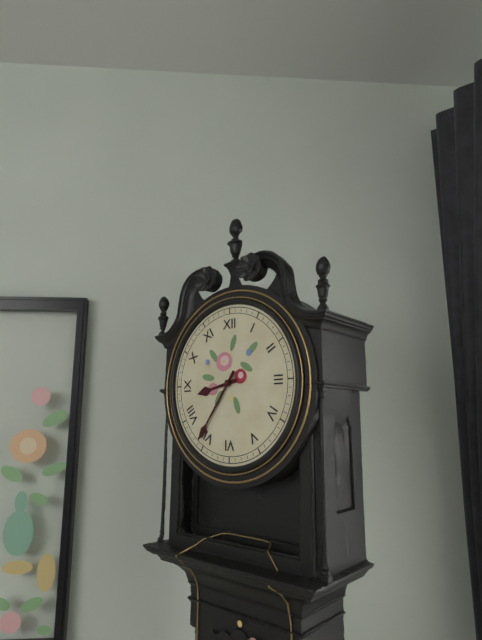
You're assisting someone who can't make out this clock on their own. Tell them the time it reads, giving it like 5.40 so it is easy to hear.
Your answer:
8.36
